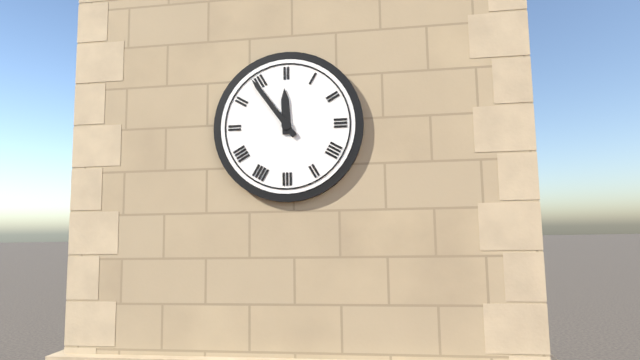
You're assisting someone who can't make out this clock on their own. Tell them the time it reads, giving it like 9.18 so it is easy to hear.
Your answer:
11.54
